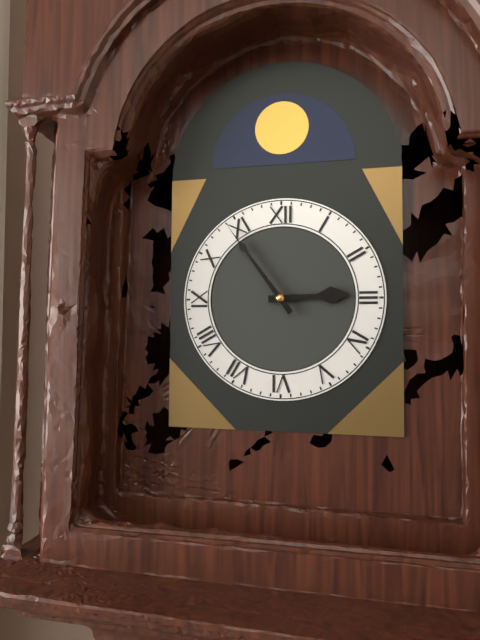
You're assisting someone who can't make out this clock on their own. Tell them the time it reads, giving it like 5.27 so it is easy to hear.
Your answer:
2.54
